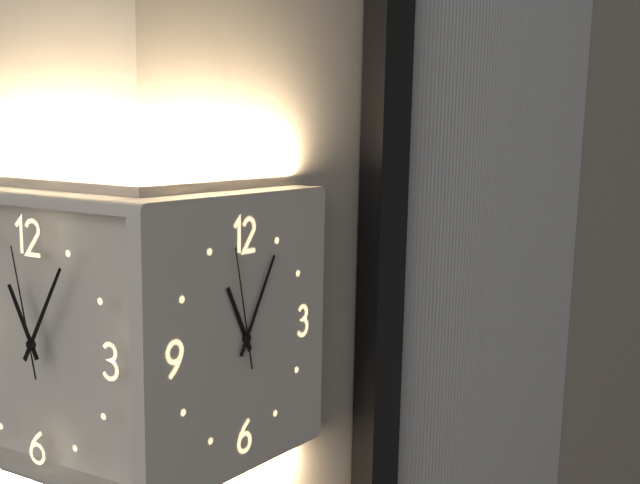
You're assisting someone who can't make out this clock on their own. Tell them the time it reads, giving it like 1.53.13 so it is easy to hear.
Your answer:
11.05.58
